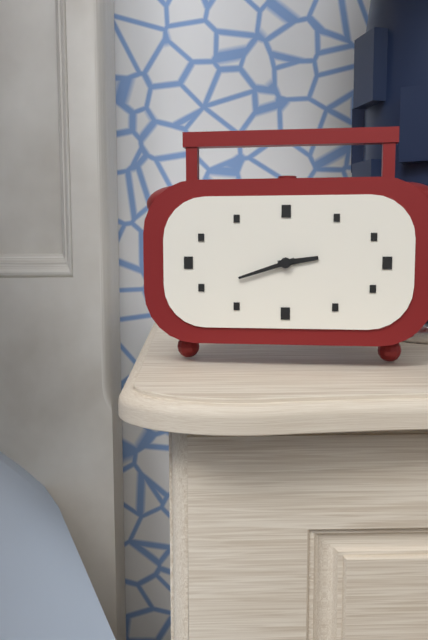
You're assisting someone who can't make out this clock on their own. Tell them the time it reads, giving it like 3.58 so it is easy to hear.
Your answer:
2.42
